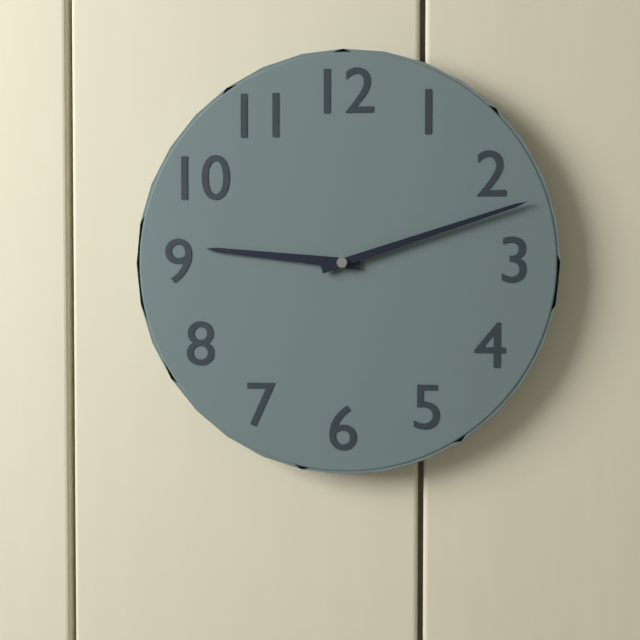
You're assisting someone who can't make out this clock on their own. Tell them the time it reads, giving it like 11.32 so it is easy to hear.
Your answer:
9.12
